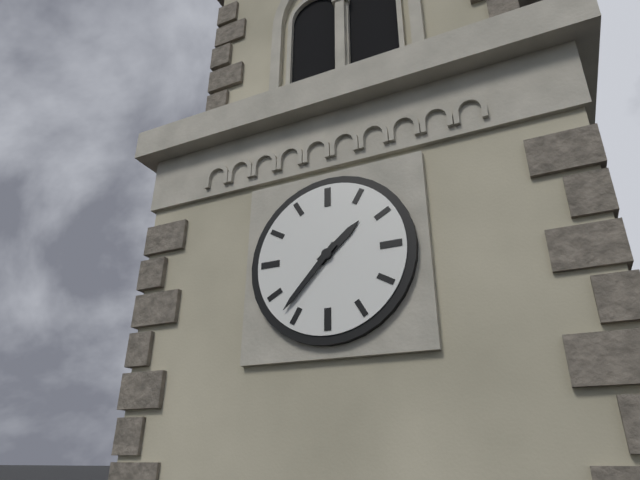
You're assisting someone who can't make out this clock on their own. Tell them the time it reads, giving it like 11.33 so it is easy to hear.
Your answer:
1.37
